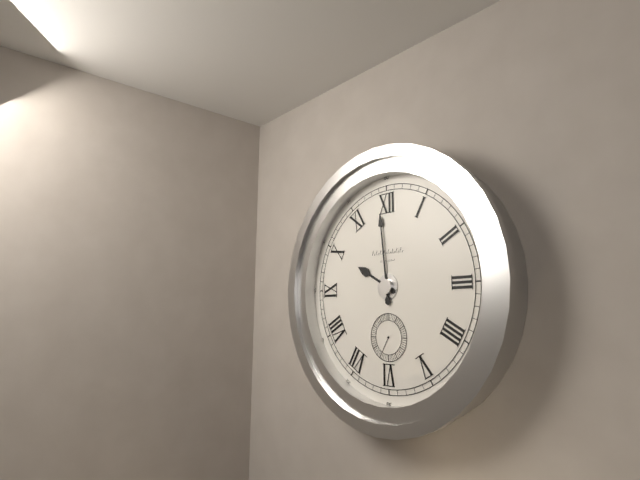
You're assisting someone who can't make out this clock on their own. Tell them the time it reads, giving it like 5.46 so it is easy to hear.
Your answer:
9.59
